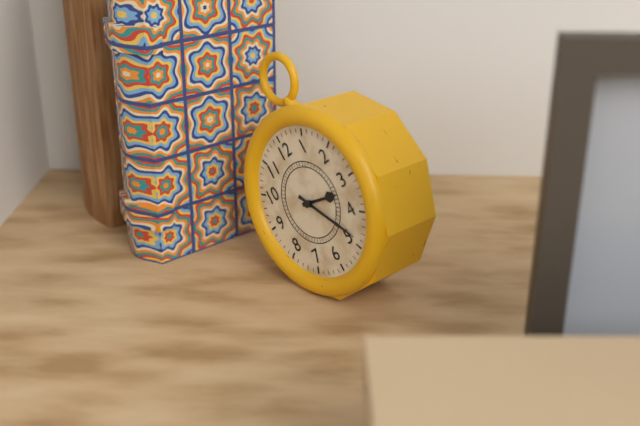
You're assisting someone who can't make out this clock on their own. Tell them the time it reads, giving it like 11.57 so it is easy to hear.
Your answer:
3.24
